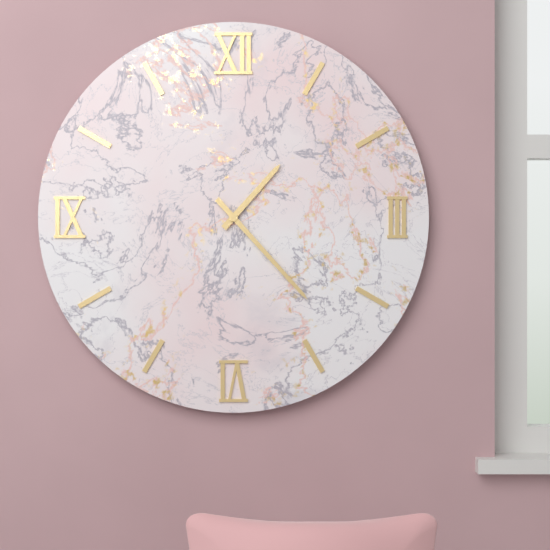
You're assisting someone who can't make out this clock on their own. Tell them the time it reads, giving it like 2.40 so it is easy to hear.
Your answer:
1.23
